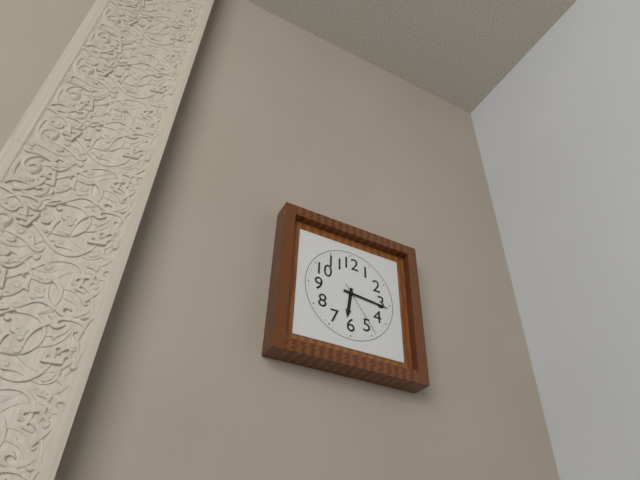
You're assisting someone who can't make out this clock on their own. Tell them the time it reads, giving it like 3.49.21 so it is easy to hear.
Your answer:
6.16.24
